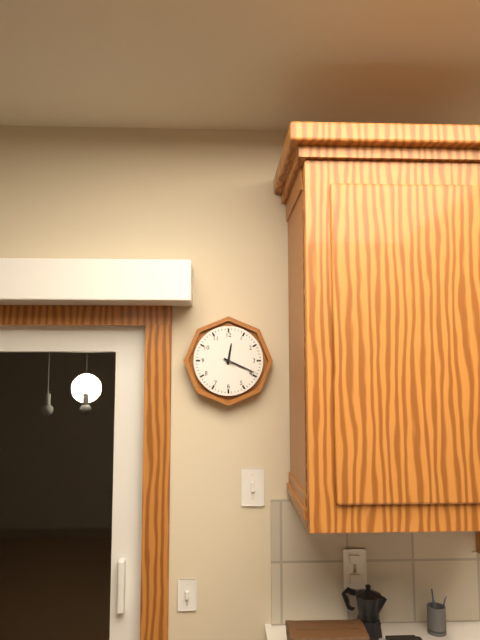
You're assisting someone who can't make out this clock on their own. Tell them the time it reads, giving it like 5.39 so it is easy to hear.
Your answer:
12.19
